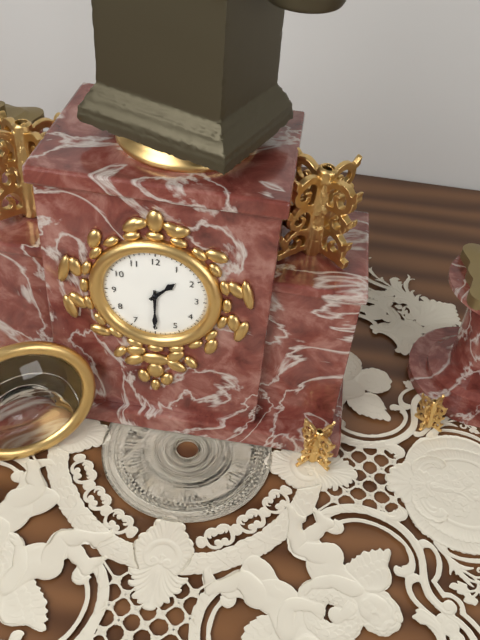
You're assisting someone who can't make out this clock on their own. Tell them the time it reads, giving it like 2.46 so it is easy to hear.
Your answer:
1.30
